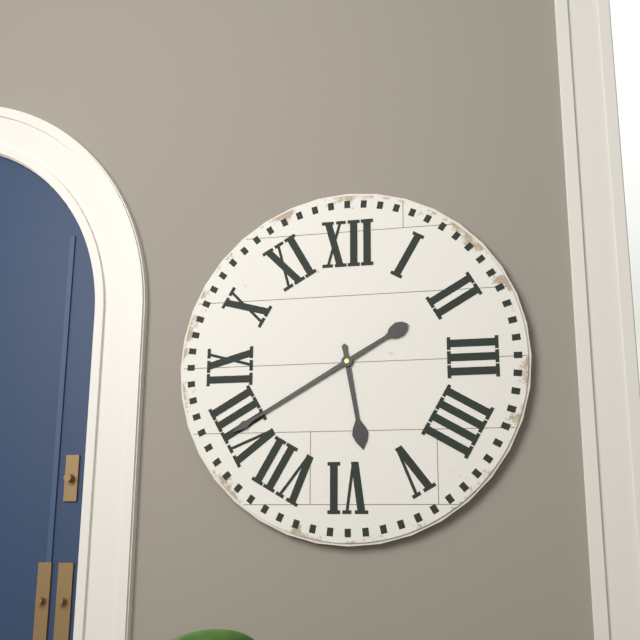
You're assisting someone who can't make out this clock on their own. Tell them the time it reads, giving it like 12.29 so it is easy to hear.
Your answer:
5.40
